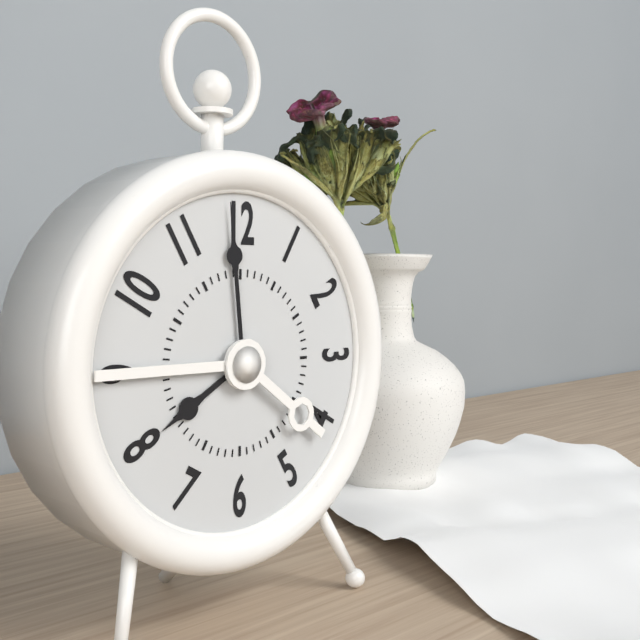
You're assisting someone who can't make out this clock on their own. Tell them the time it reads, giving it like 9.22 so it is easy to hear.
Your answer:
7.59
